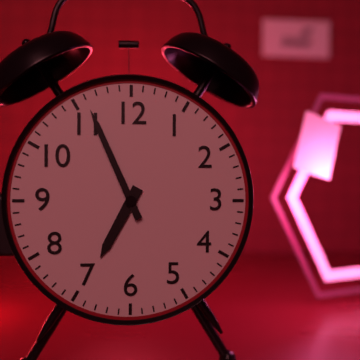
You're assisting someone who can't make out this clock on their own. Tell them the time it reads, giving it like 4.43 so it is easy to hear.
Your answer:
6.56
